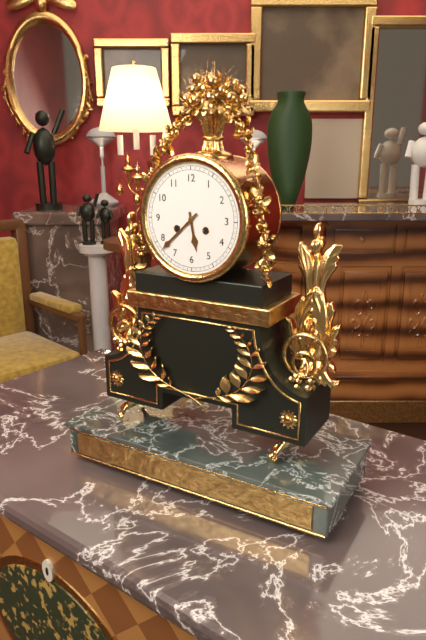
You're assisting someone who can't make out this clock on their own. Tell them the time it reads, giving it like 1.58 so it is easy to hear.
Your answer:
5.38
